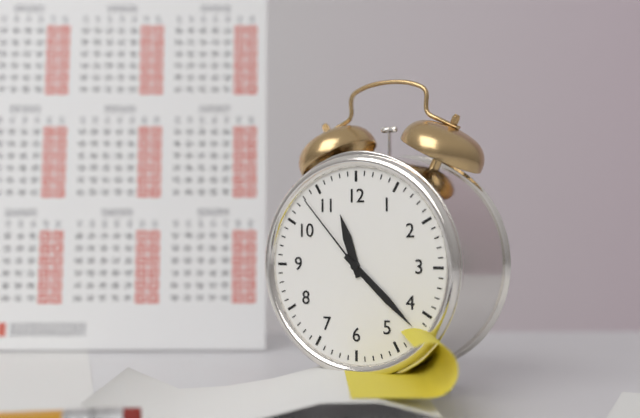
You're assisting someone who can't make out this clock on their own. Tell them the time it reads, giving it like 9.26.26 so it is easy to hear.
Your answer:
11.22.53
